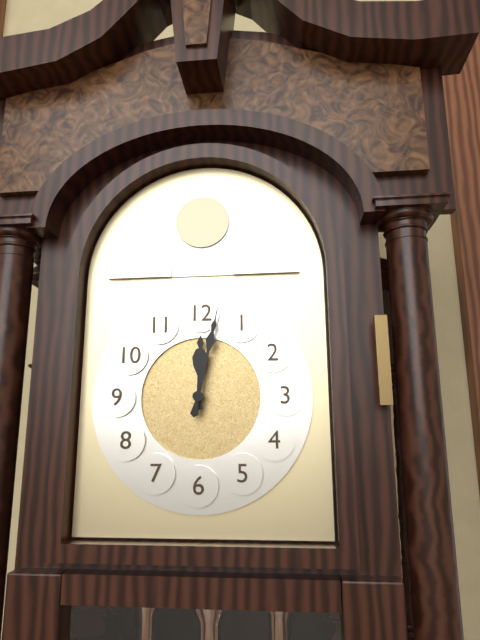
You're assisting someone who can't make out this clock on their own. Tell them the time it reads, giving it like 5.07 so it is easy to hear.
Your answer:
12.02
